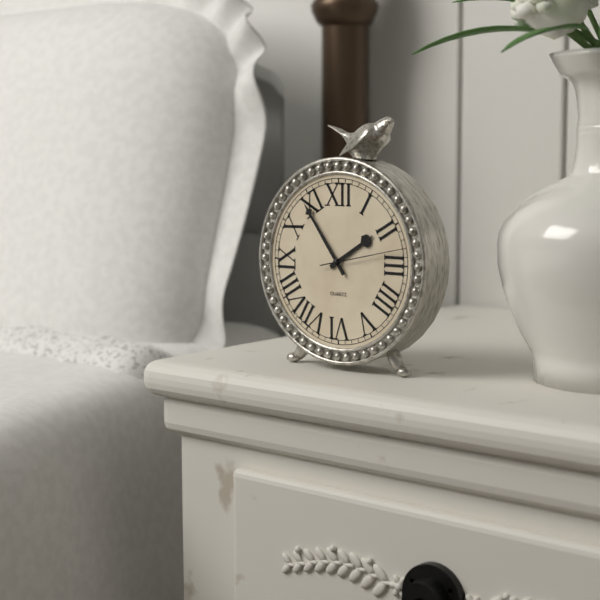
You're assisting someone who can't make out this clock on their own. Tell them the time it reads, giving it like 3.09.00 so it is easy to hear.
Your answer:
1.54.13
